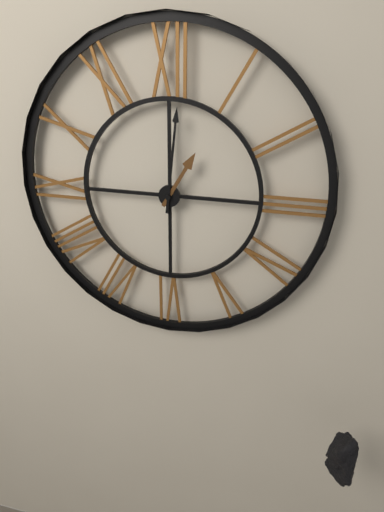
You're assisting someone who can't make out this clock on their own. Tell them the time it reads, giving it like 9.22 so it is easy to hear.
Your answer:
1.01
